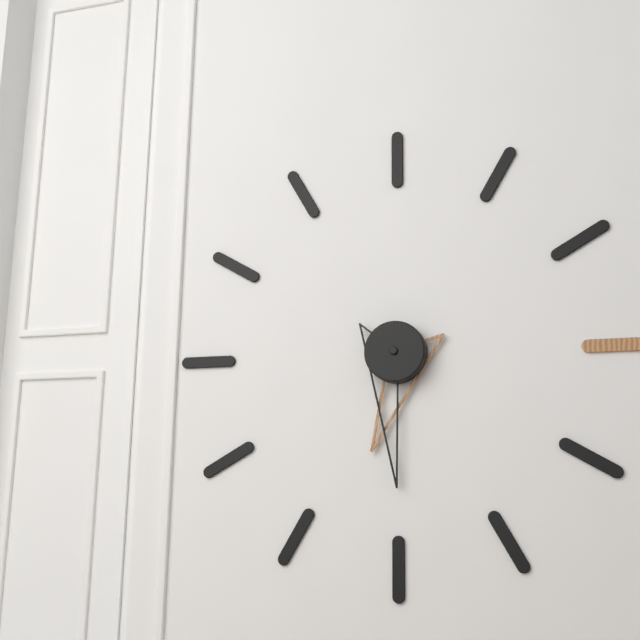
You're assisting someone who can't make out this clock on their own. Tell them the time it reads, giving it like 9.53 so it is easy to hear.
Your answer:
6.30
